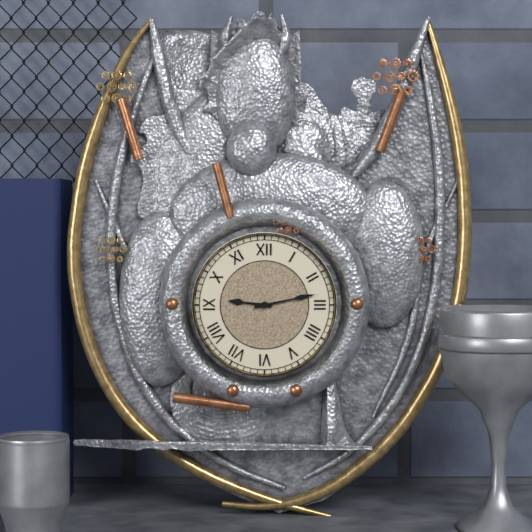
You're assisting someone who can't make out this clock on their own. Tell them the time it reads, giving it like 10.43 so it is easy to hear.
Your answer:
9.13
